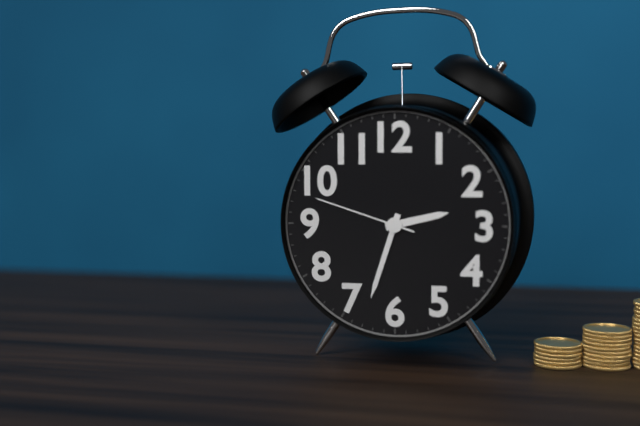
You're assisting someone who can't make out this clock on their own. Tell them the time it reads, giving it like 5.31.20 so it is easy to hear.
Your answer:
2.33.48
